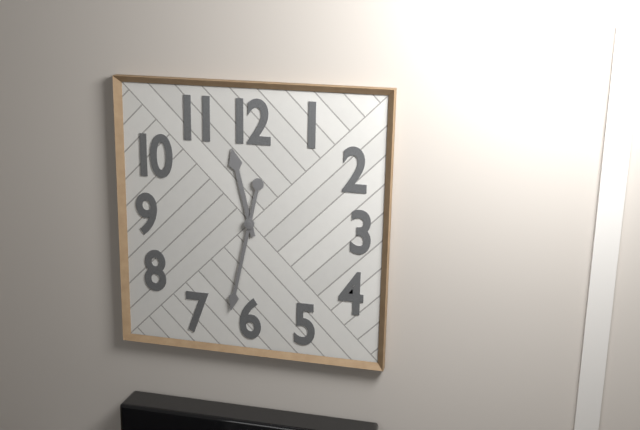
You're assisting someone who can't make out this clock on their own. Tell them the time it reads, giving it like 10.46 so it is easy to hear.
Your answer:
11.32
